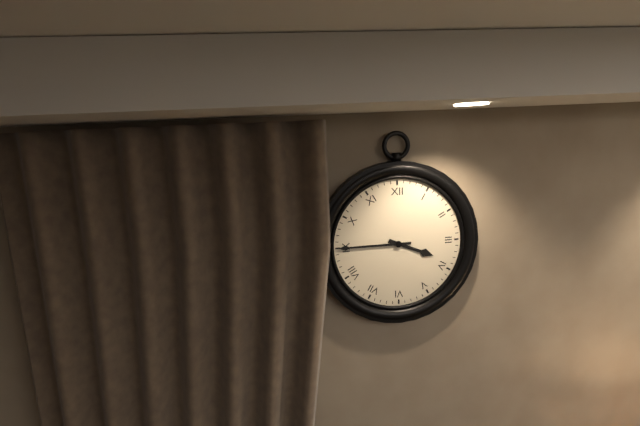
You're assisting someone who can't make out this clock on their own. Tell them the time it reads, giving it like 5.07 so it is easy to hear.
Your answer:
3.45
